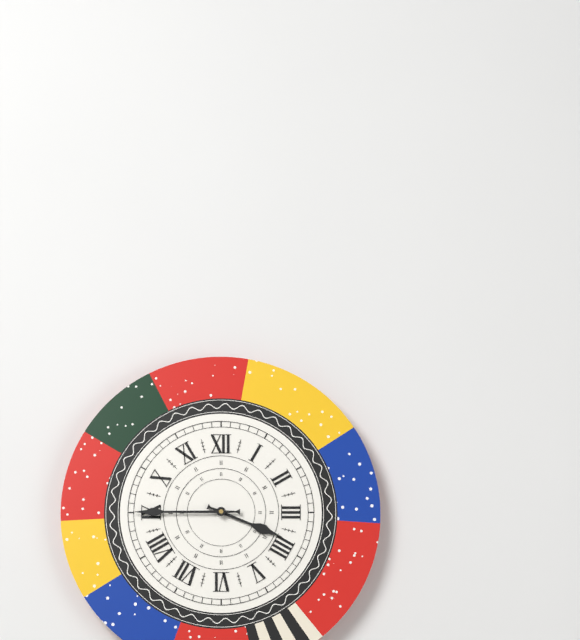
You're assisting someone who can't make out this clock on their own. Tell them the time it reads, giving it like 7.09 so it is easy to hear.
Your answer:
3.45
